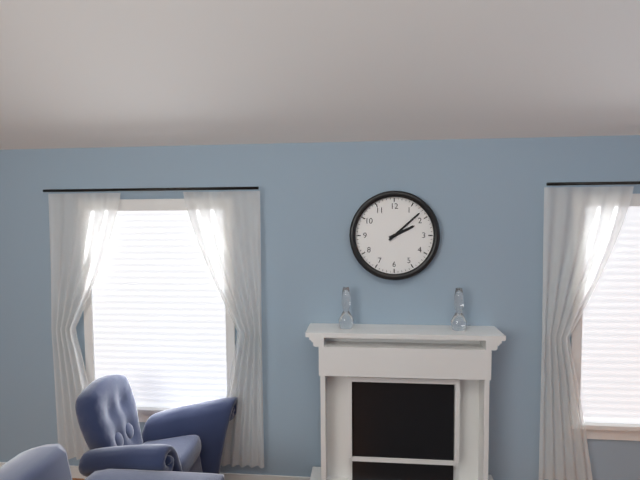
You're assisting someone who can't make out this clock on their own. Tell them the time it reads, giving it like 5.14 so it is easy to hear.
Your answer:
2.08
